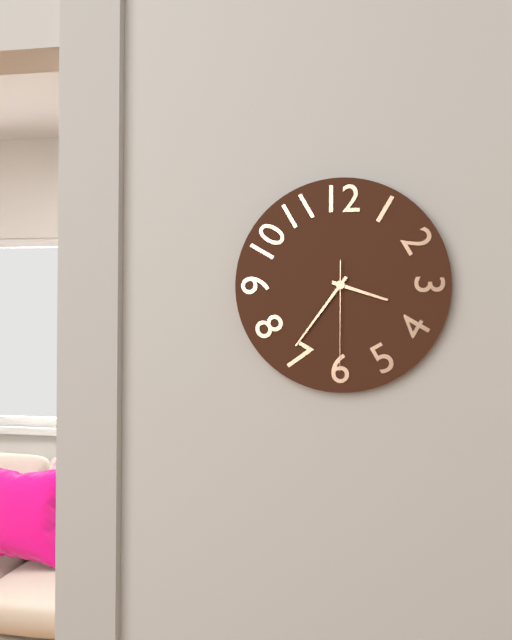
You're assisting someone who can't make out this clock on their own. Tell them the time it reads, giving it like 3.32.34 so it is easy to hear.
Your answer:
3.36.30
